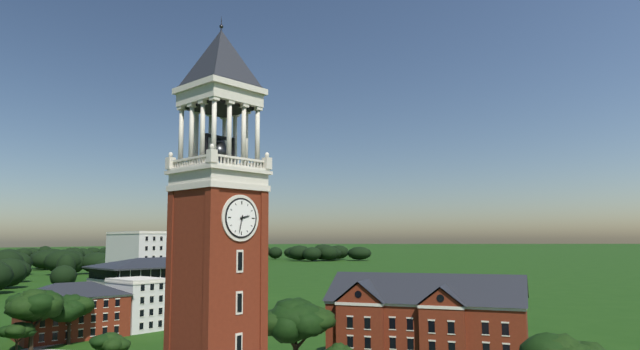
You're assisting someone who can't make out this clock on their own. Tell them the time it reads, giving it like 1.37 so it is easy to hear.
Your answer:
2.32
